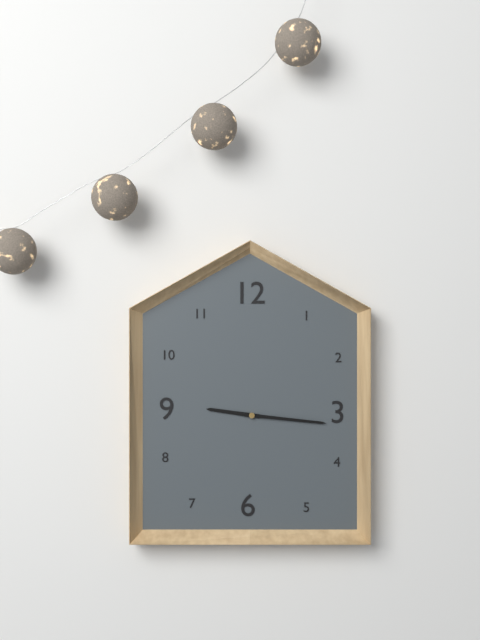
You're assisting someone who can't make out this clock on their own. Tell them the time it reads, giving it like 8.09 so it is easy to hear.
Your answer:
9.16
